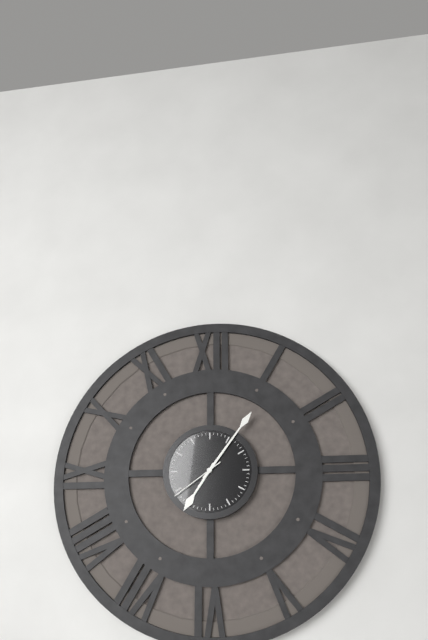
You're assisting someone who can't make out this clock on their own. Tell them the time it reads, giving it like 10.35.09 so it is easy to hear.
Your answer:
7.06.39
